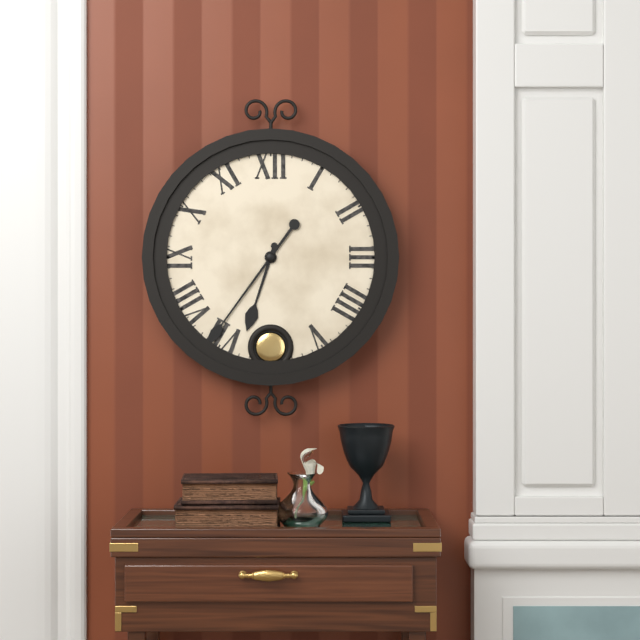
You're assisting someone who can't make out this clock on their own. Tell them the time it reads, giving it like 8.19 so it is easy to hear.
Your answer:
6.36
